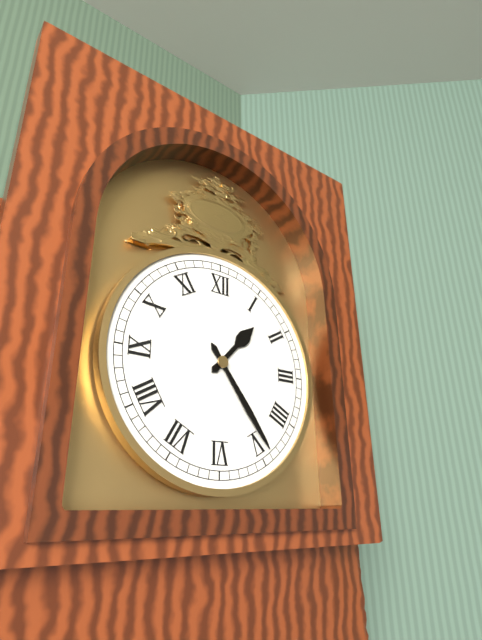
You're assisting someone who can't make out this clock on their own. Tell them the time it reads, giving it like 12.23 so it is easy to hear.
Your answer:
1.24
